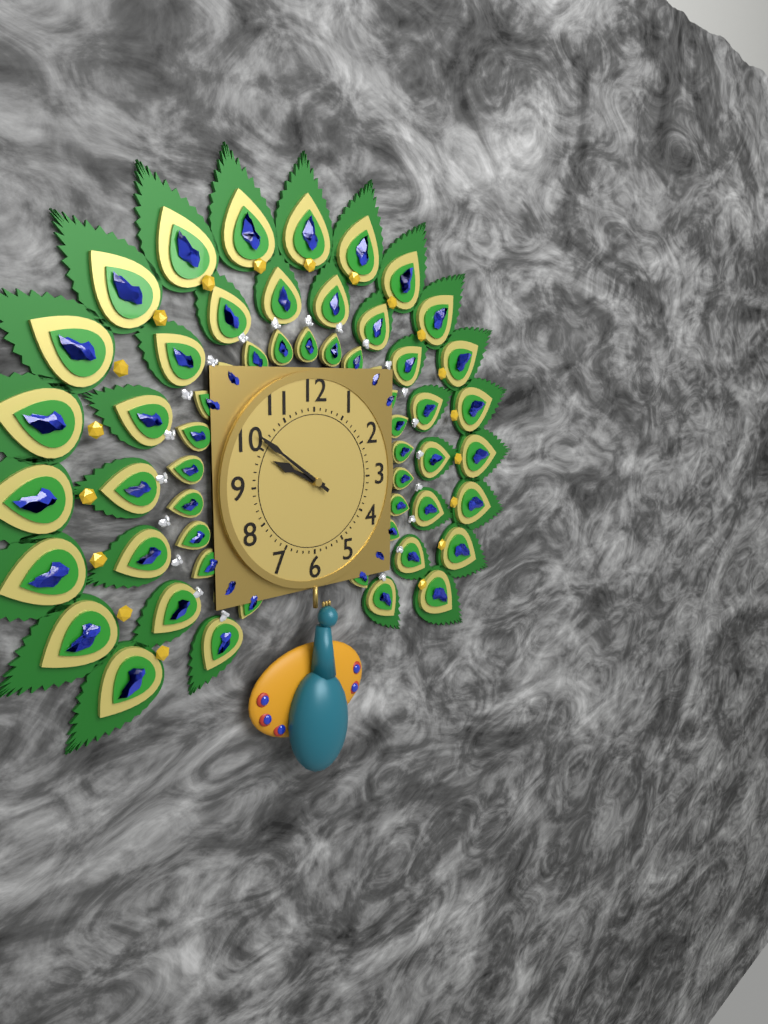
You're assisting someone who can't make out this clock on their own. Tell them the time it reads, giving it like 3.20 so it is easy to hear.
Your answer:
9.51
